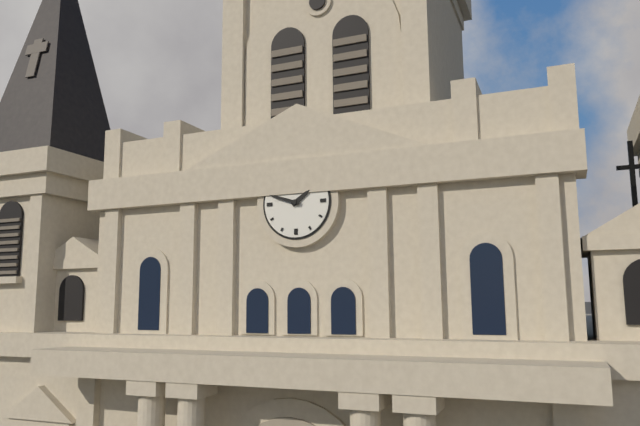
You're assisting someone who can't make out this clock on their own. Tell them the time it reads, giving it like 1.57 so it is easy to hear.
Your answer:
1.48
